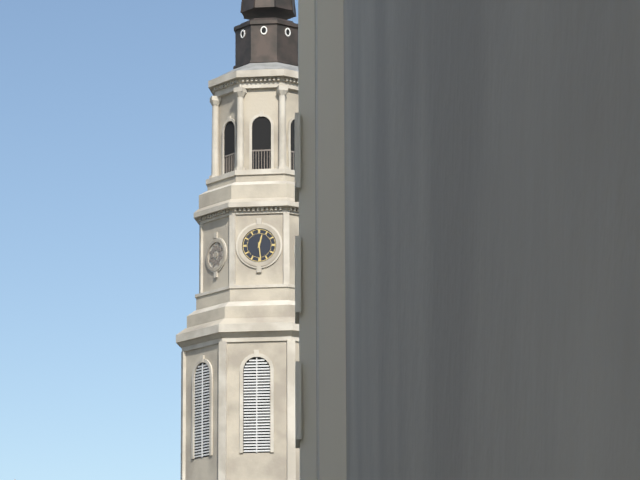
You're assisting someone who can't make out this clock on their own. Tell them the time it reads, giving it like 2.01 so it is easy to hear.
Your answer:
12.29
